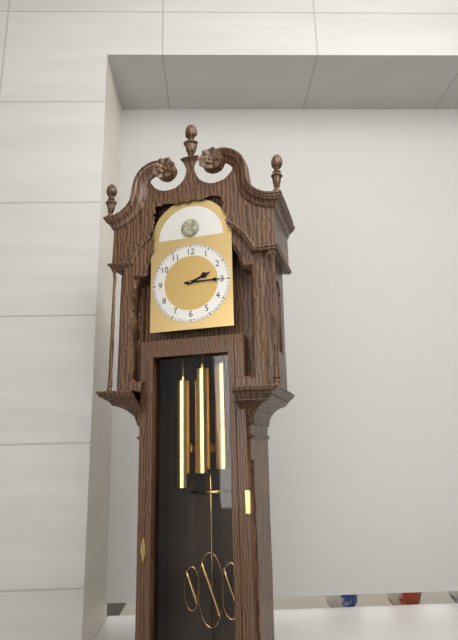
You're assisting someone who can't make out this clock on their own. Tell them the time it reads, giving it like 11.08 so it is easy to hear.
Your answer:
2.15
